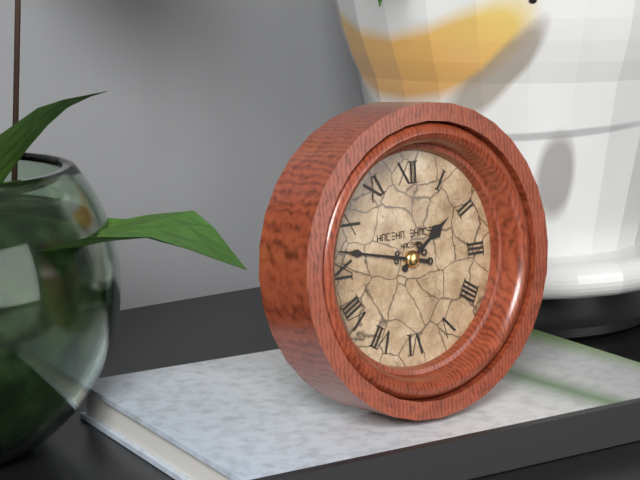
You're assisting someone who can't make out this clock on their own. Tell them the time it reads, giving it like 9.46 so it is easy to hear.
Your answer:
1.47
